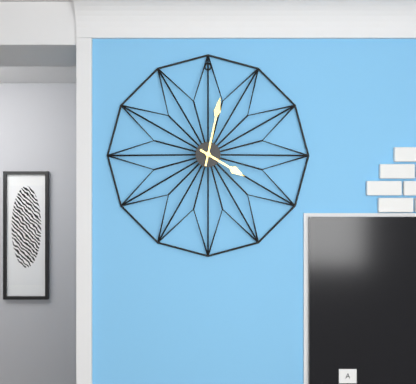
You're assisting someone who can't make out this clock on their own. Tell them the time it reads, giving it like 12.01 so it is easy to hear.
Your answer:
4.02
